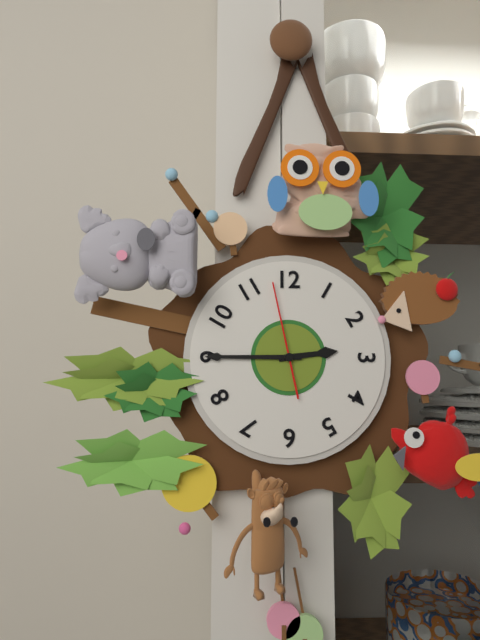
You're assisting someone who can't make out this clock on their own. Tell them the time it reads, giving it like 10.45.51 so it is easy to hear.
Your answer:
2.45.58
